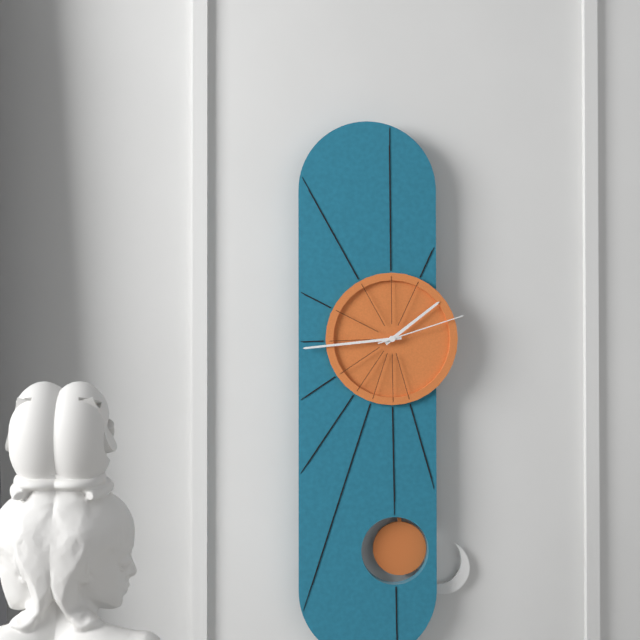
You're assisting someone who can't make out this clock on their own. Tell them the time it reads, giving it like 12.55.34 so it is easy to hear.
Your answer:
1.44.12
